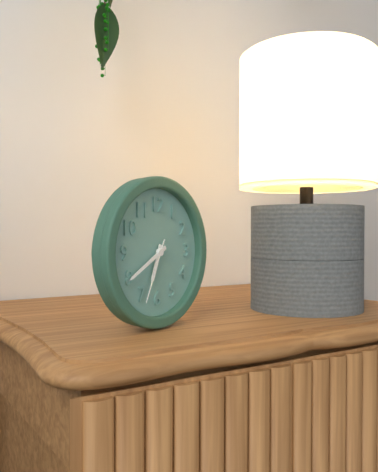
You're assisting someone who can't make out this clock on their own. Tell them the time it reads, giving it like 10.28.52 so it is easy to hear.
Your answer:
6.40.34
